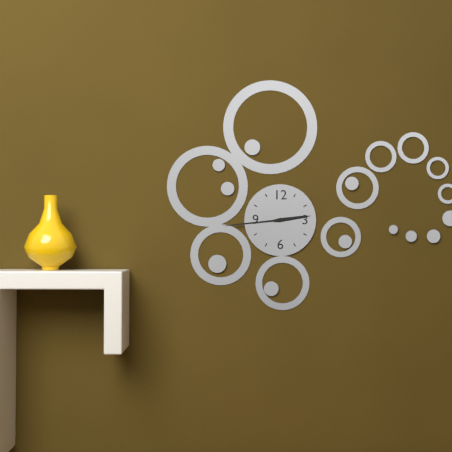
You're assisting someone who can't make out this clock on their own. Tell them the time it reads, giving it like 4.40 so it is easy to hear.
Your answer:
2.44
